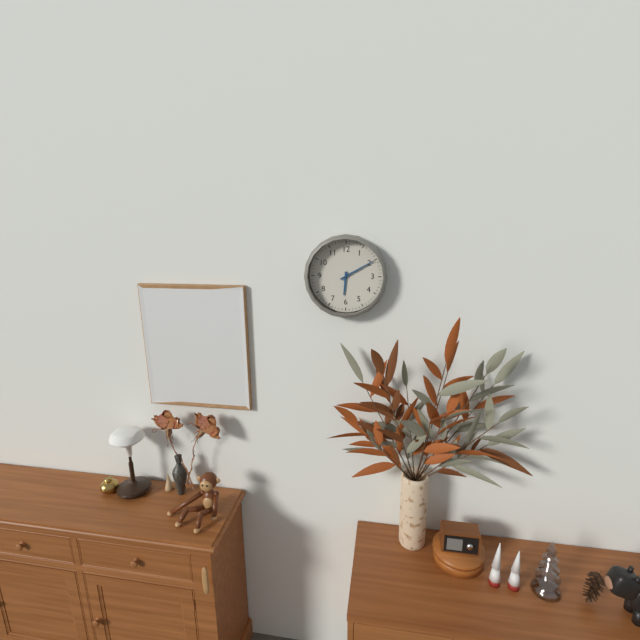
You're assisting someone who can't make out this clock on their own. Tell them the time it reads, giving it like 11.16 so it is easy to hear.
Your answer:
6.10
